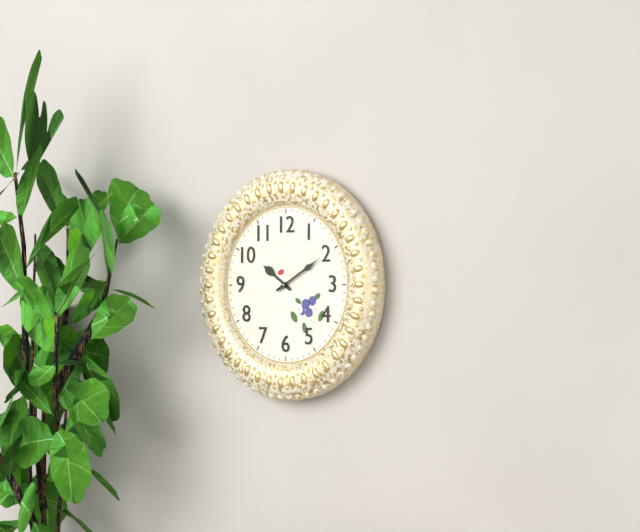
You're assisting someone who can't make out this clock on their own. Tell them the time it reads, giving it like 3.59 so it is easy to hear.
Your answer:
10.10
